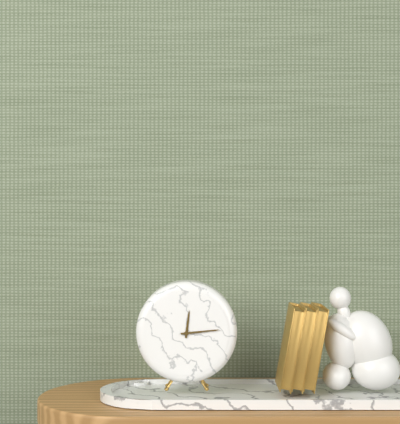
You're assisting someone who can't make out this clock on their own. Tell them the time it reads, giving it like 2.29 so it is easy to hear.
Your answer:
12.14
